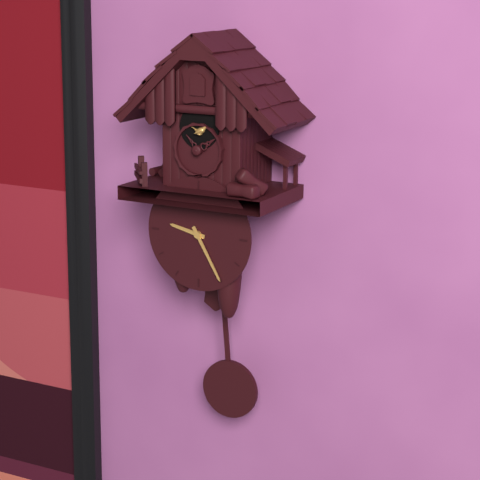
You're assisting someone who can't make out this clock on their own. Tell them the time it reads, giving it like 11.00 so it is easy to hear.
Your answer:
9.25
